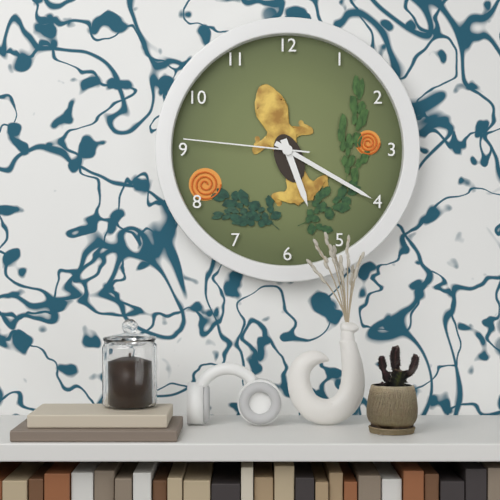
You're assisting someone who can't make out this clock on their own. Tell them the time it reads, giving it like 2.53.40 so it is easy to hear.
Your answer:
5.20.46
